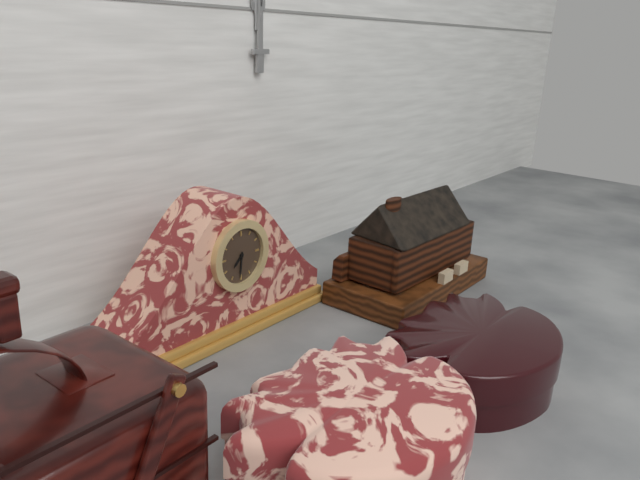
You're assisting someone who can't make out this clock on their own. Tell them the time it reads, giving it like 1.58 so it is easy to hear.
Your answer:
7.31
